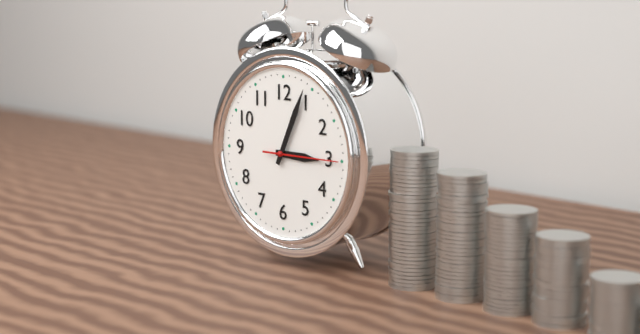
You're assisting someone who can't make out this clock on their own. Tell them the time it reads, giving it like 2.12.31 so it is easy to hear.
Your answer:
3.04.15
